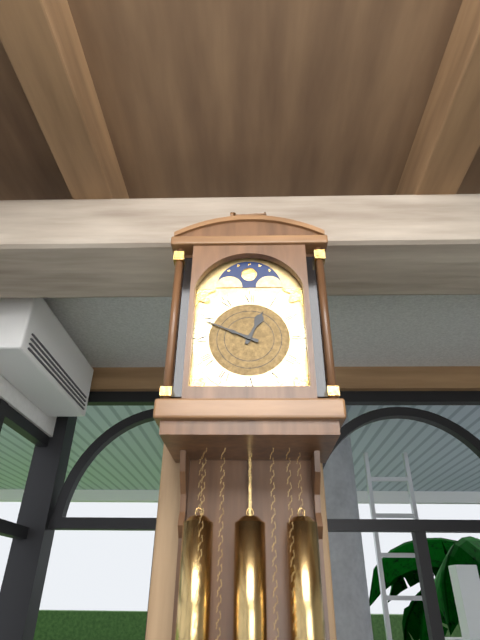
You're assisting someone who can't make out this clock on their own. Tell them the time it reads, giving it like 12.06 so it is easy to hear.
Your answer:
12.49
